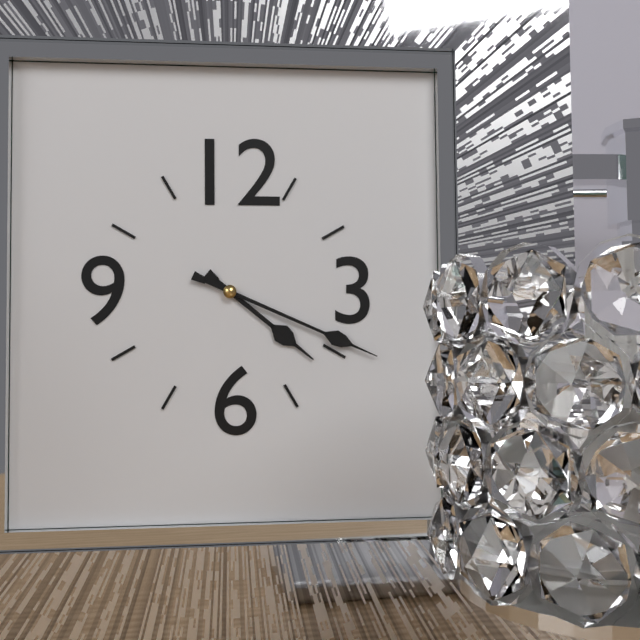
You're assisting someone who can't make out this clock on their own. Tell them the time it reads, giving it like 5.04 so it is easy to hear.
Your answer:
4.19
